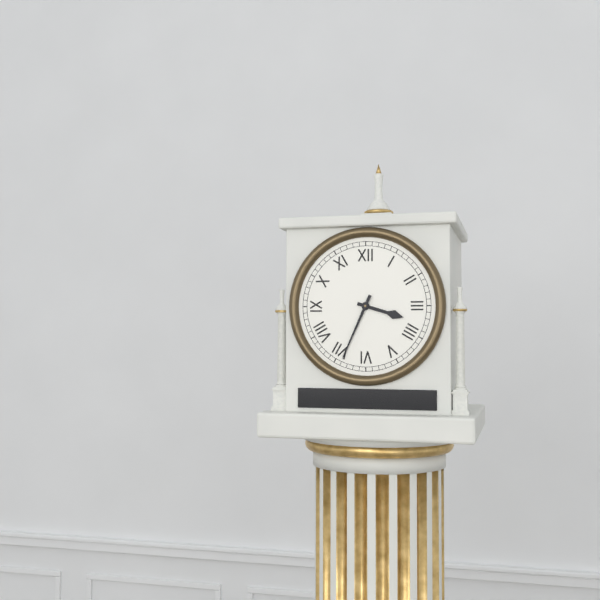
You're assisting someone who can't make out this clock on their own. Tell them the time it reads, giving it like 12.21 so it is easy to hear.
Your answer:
3.34
